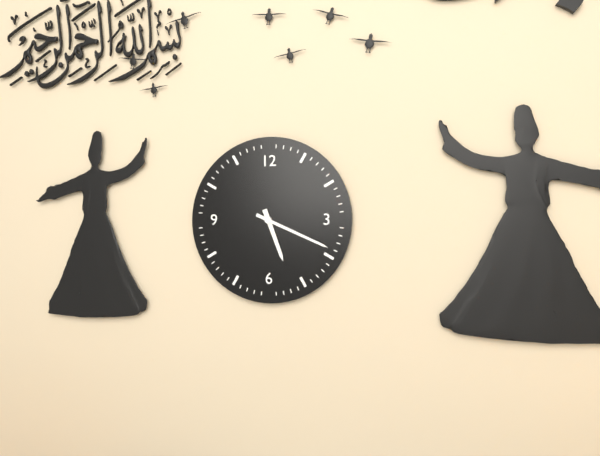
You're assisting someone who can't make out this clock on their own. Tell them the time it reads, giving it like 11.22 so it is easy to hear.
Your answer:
5.19
